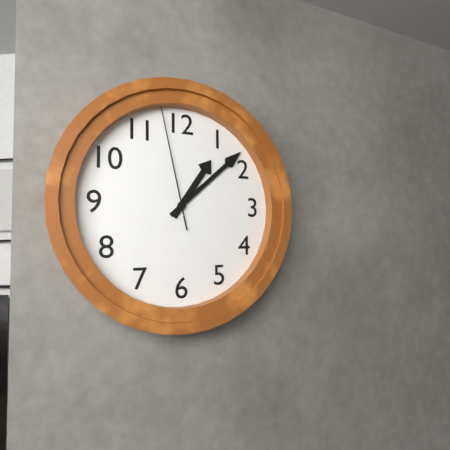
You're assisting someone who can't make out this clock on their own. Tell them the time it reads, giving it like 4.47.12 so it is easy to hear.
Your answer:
1.08.58
